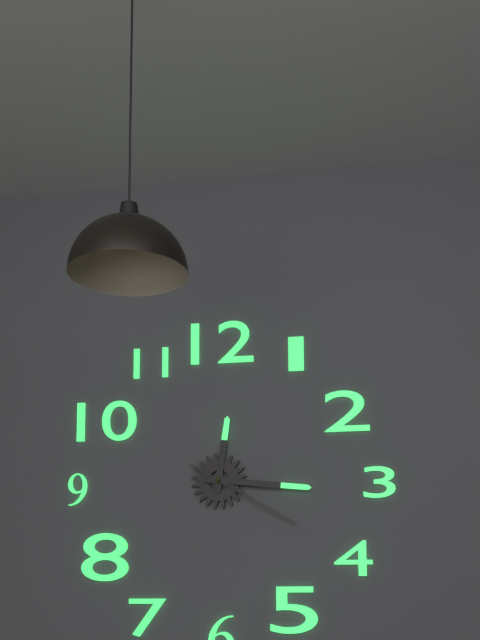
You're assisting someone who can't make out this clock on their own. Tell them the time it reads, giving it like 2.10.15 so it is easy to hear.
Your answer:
12.16.20
